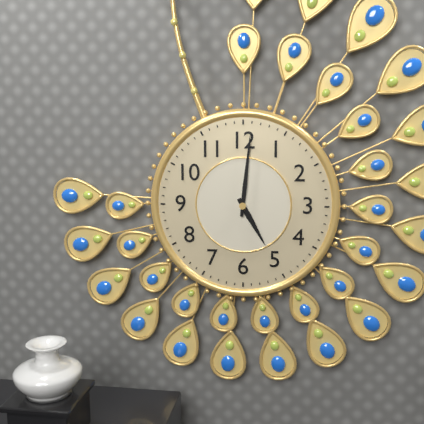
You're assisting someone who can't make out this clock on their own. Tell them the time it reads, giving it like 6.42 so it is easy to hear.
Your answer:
5.01
